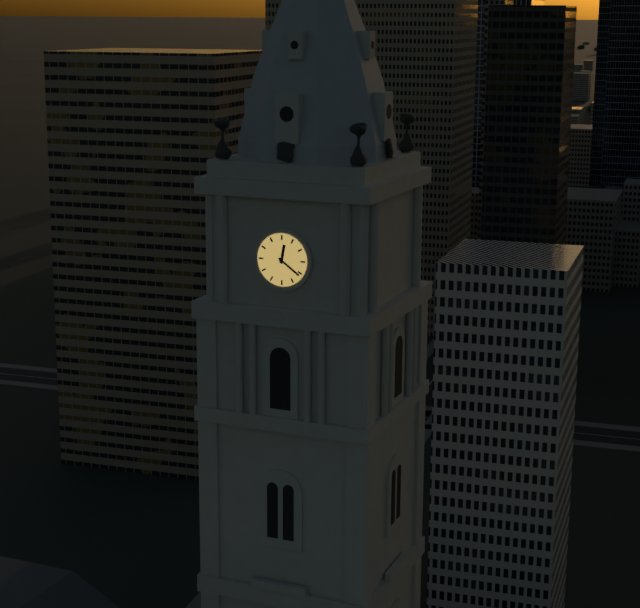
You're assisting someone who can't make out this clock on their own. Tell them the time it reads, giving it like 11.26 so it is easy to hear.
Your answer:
12.21
